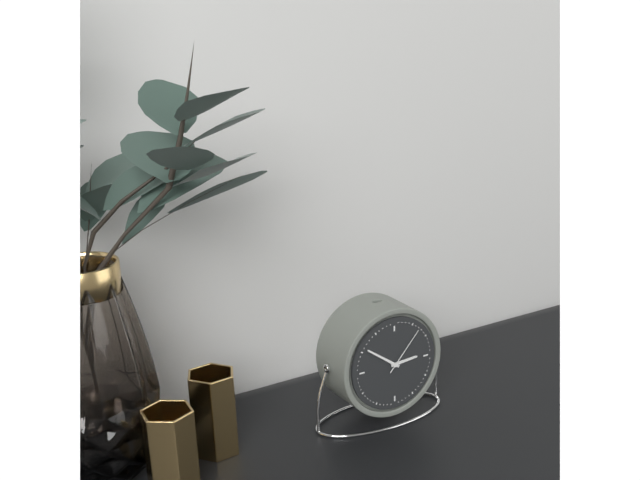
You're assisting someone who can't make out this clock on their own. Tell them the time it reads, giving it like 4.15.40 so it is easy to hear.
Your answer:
2.51.07
